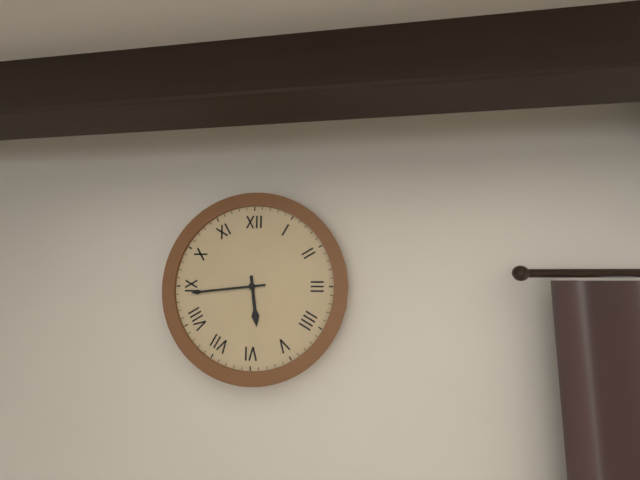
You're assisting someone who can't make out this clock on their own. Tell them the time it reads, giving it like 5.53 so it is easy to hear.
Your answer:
5.44
